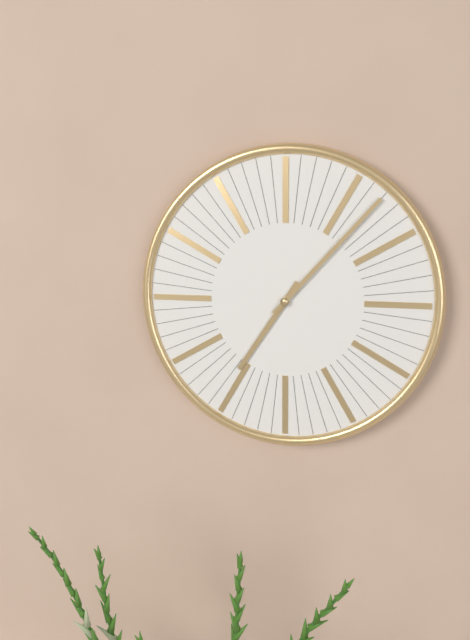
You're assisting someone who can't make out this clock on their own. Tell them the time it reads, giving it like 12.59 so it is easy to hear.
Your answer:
7.07
